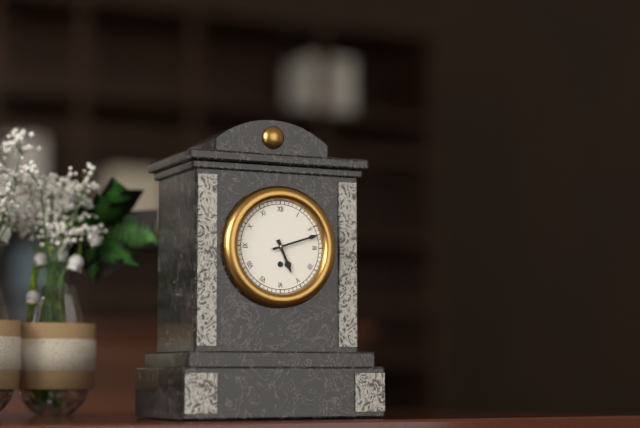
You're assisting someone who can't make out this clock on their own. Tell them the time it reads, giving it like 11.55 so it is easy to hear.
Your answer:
5.12
